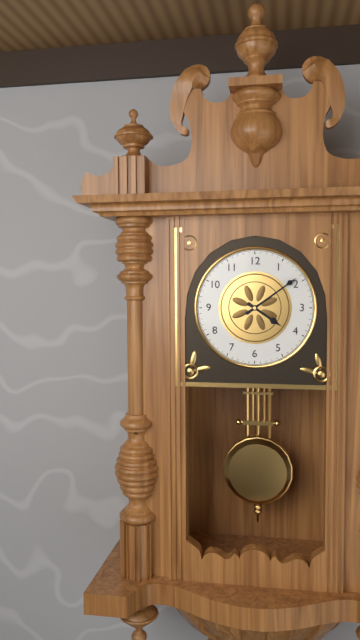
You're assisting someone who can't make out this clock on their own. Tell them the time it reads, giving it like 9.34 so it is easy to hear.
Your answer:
4.09
